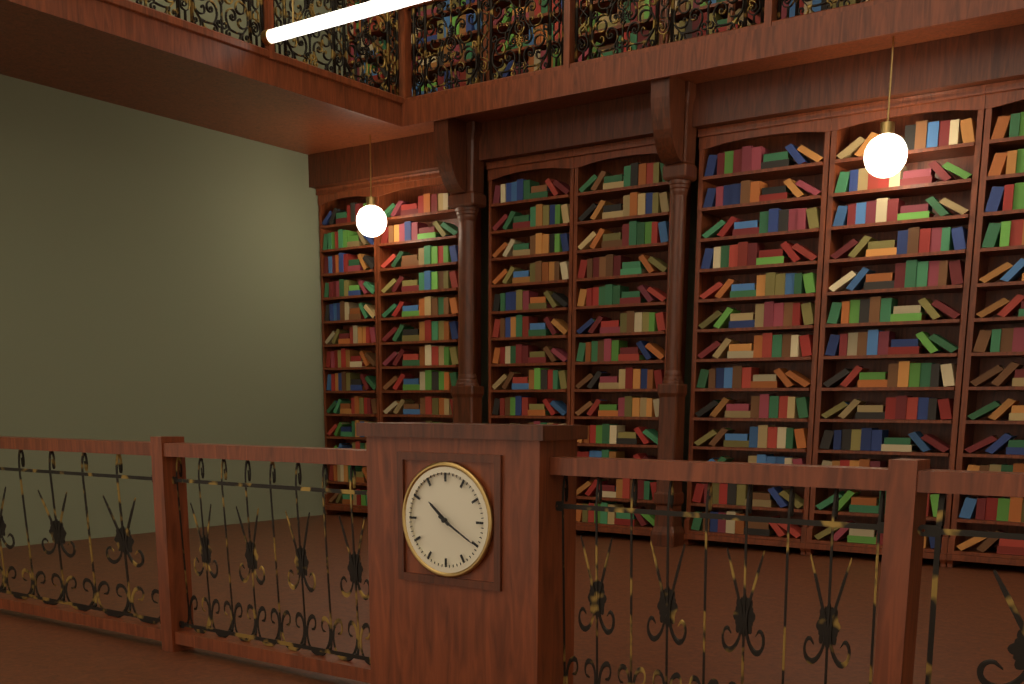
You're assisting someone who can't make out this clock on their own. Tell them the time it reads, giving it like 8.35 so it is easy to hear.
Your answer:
10.20
